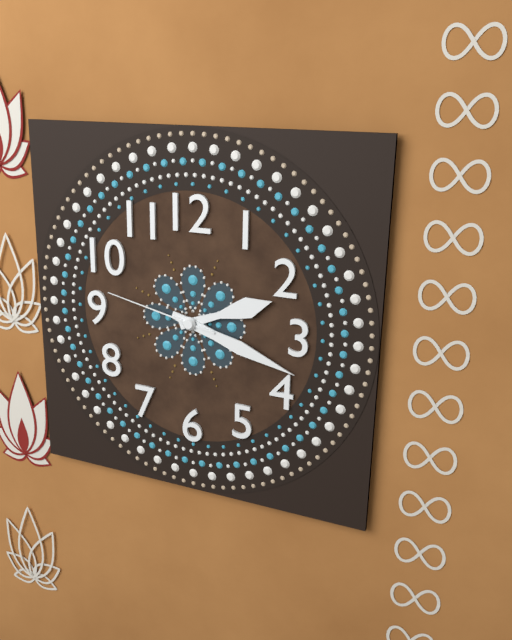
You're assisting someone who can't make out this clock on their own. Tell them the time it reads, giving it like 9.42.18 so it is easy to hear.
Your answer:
2.18.47
